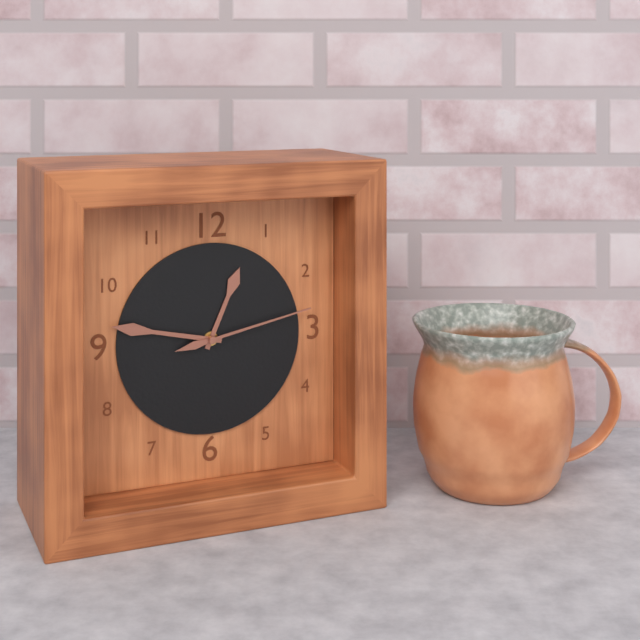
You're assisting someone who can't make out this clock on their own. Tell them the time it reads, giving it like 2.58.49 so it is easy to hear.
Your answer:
12.47.13
